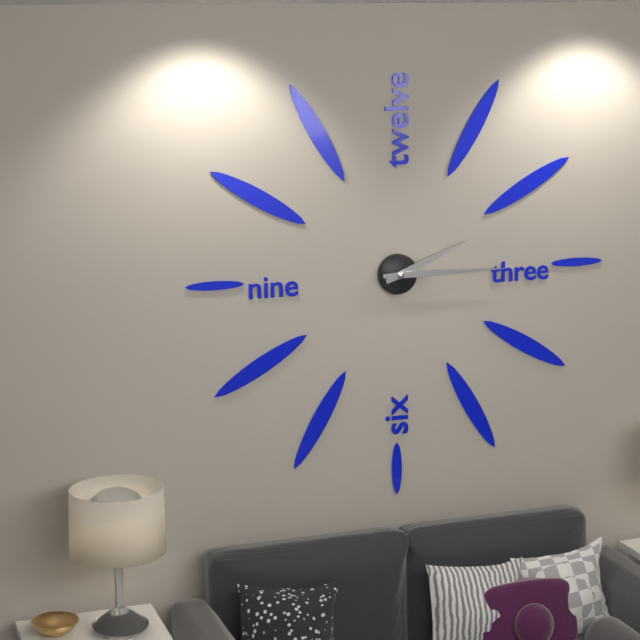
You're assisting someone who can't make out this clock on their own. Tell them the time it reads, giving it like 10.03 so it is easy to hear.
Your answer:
2.15
